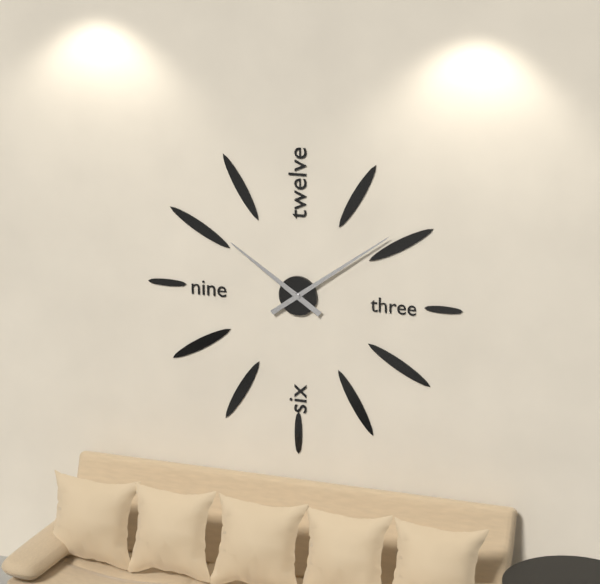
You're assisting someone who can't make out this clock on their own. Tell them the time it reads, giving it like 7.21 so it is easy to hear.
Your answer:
10.09
